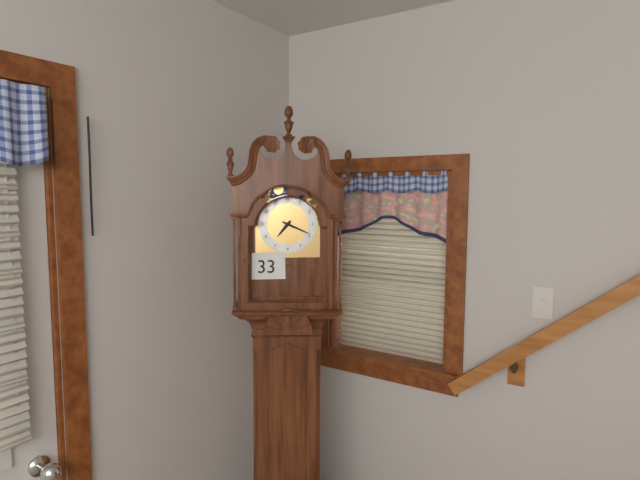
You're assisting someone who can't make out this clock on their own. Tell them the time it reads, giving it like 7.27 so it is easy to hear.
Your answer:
7.19
